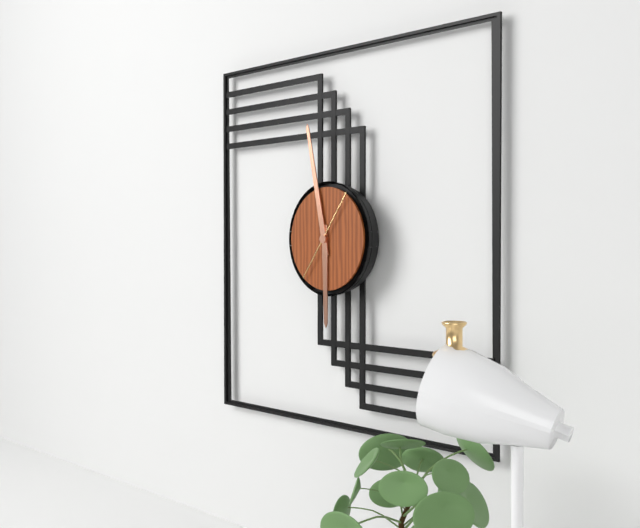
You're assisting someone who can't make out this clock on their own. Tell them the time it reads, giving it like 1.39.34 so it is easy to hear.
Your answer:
5.58.06
